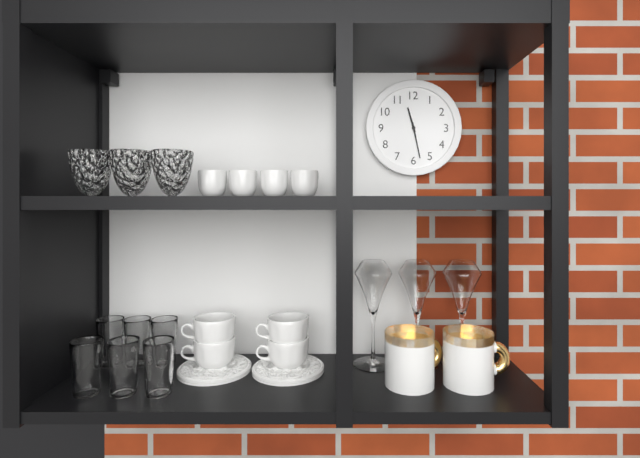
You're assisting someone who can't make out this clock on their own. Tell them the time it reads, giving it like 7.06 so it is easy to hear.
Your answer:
11.28
